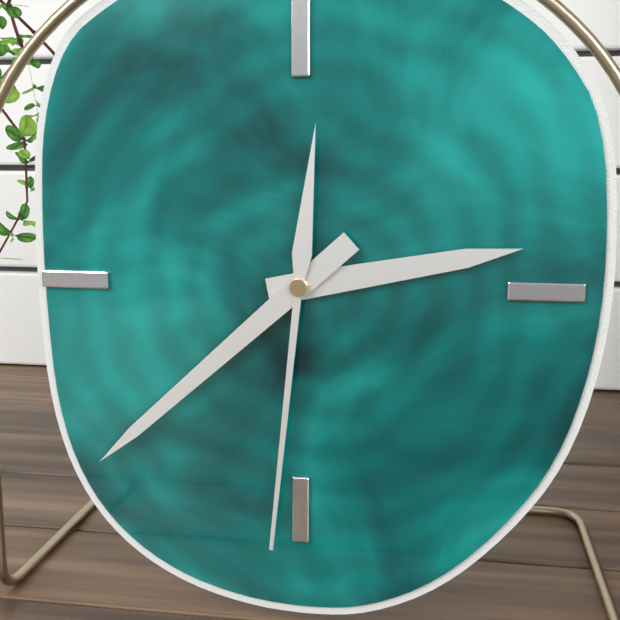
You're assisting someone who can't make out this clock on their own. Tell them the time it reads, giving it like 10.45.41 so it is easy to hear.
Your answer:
2.38.31
